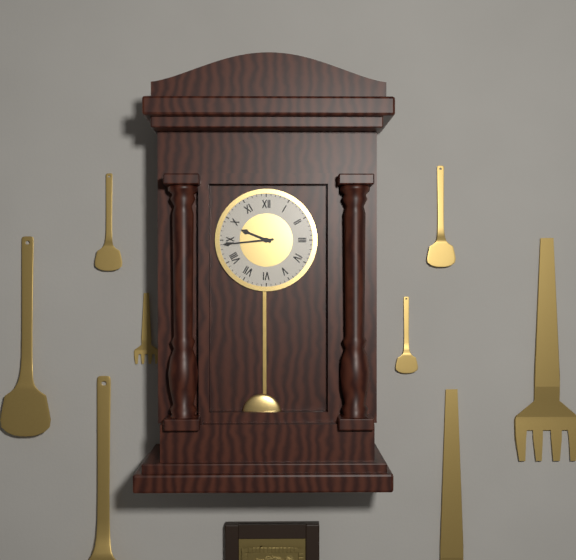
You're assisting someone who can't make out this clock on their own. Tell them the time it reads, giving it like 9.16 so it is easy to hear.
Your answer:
9.44
